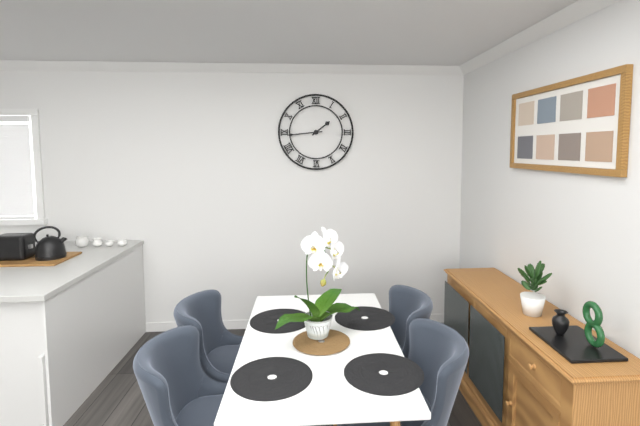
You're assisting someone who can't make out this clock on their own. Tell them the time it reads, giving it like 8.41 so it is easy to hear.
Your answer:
1.44
